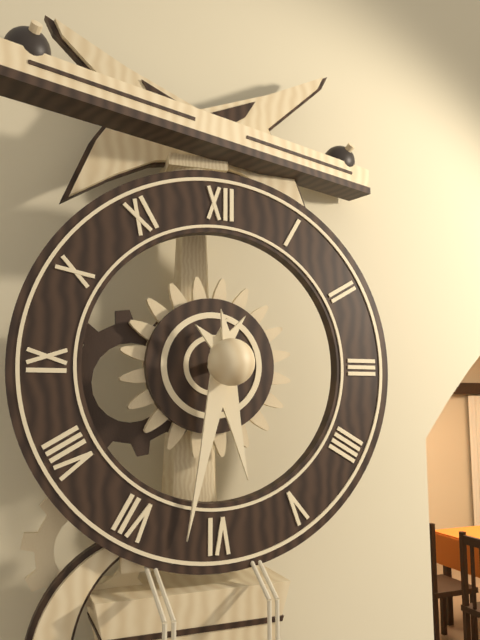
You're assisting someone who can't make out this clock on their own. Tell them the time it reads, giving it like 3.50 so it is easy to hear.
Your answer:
5.32
